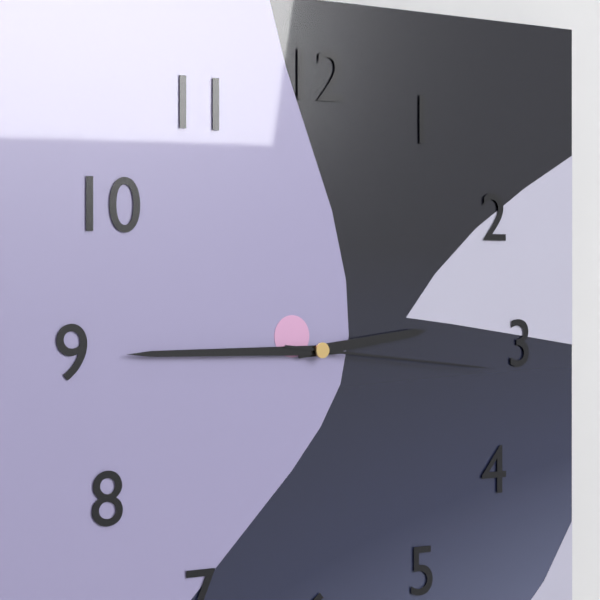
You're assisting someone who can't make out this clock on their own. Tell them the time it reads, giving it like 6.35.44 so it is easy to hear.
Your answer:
2.45.16
